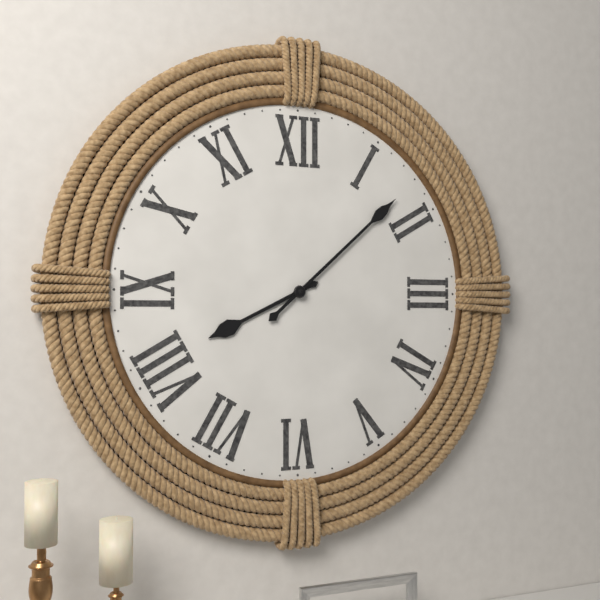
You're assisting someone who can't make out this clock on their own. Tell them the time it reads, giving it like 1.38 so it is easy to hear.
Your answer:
8.08
